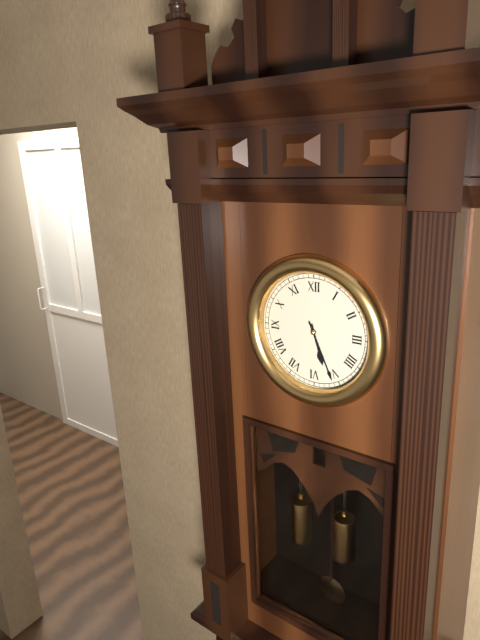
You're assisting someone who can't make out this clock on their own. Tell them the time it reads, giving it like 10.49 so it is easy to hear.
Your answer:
5.26
